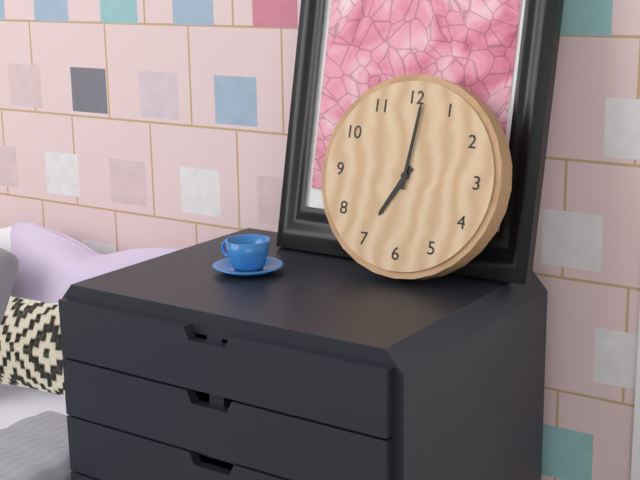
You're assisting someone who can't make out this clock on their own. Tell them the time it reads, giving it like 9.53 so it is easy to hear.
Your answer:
7.01
